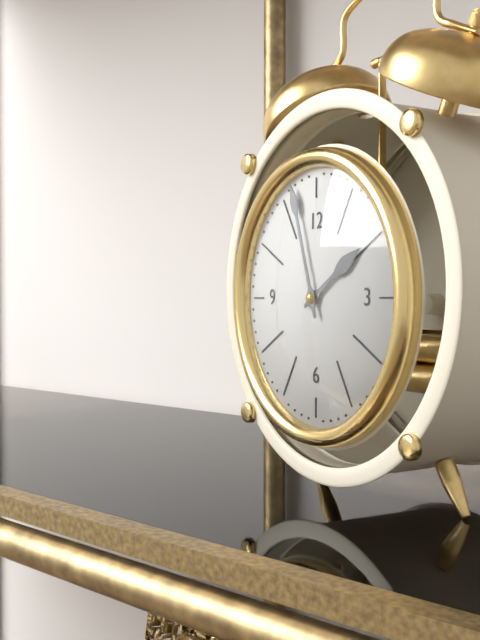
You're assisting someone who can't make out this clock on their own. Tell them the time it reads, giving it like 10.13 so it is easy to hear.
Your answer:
1.57
